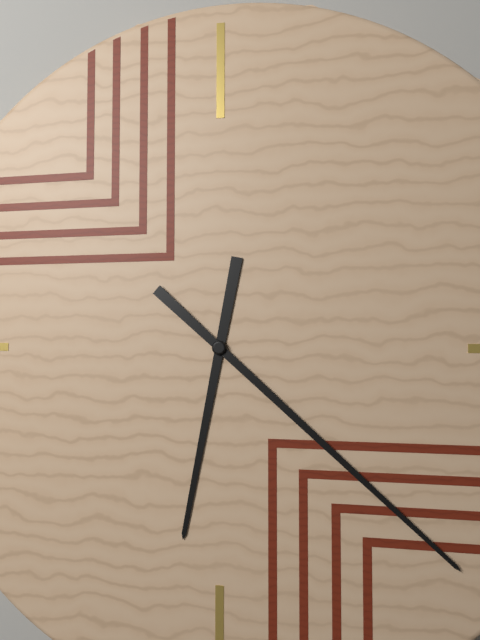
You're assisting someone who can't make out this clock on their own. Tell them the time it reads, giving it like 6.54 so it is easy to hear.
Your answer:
6.22
